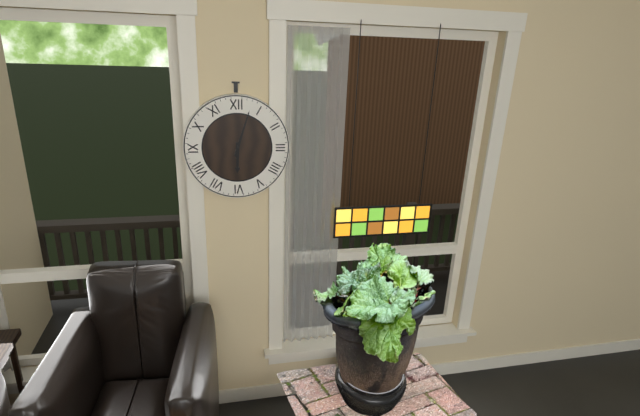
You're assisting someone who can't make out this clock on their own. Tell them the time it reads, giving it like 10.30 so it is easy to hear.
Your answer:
6.03
